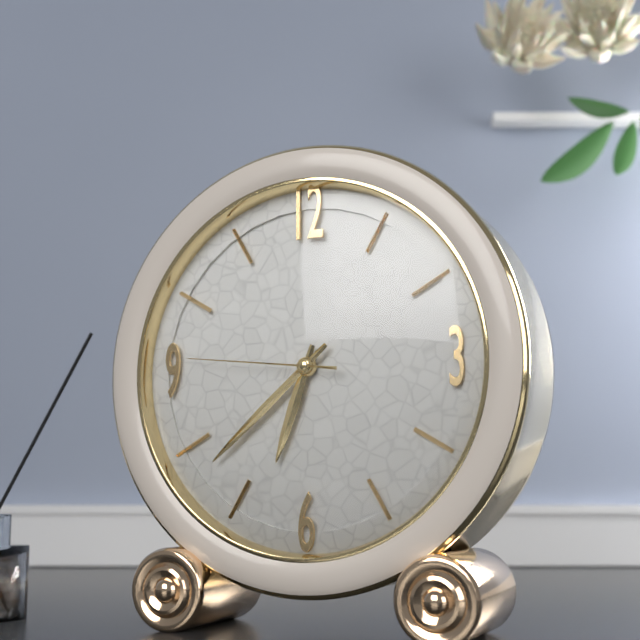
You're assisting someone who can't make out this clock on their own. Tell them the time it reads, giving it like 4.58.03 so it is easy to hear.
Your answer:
6.38.46
